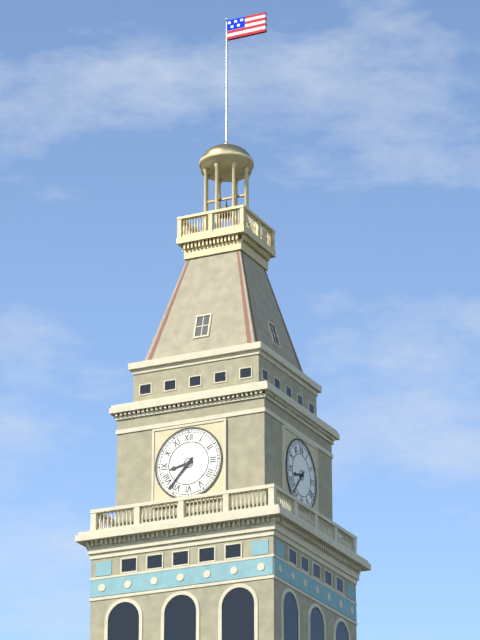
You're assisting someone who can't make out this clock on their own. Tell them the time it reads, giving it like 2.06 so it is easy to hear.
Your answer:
8.37
